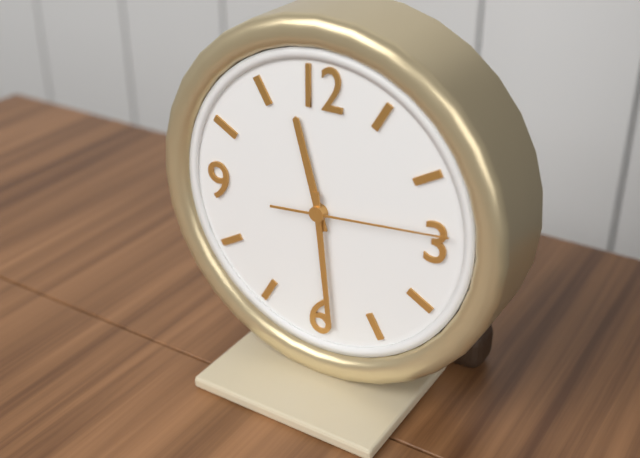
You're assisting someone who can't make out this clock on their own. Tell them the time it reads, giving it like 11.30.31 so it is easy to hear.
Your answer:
11.29.14
